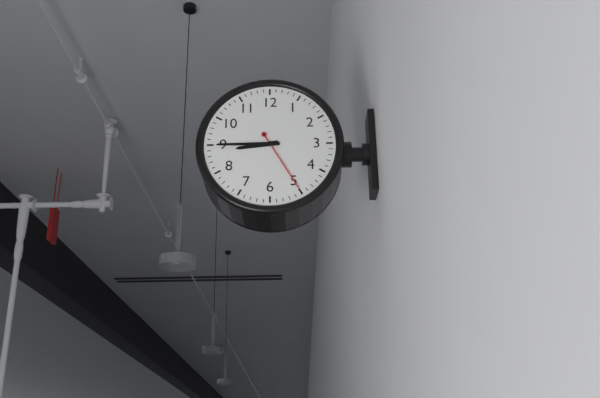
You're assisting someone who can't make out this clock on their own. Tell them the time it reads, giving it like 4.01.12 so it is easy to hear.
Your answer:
8.45.25
